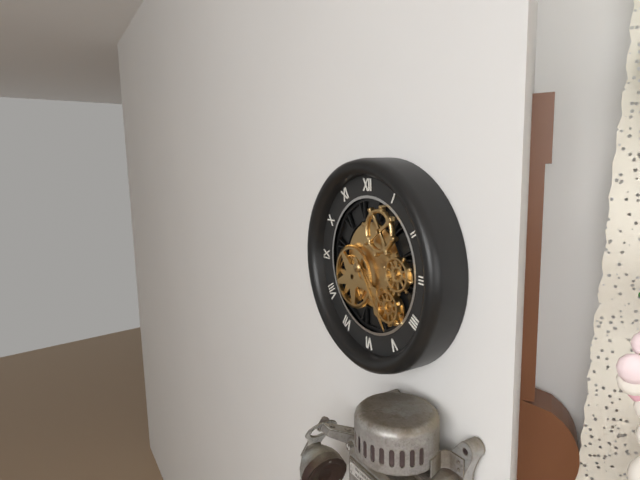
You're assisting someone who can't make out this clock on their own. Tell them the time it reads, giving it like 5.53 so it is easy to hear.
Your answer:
4.24
